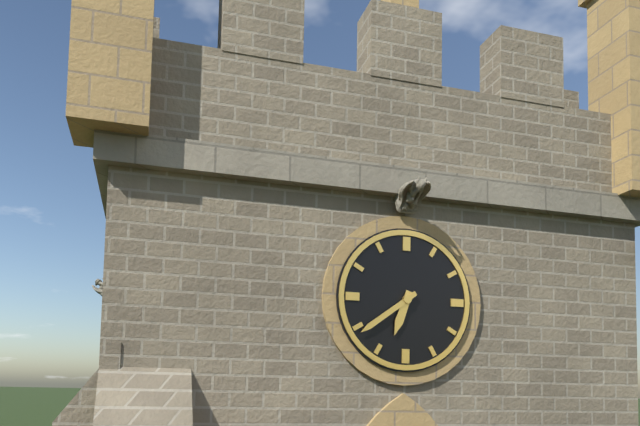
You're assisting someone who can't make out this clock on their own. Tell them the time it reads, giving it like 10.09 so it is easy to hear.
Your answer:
6.39
